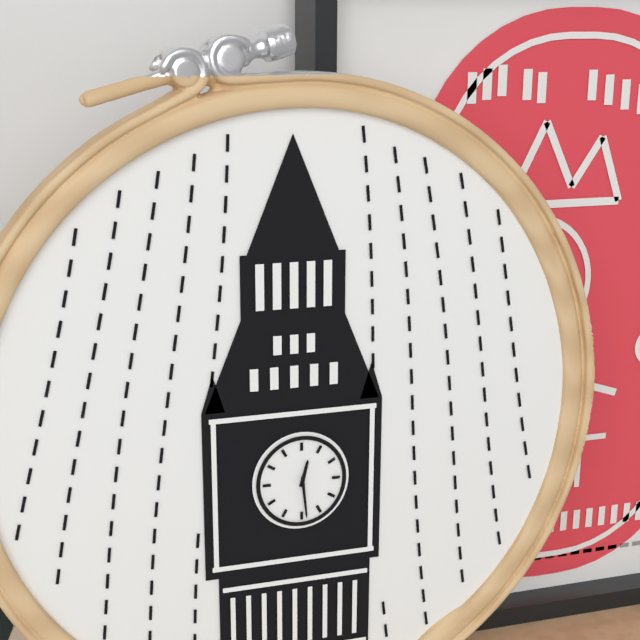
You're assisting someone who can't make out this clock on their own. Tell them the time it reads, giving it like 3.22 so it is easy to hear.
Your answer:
12.29
